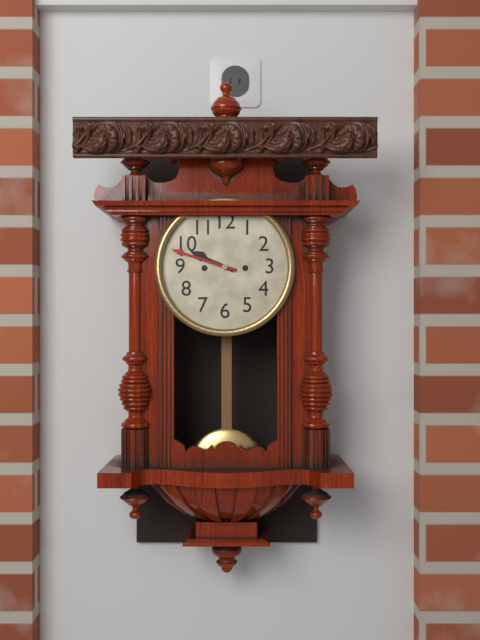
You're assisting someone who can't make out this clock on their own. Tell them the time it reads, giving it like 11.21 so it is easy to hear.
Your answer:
9.48
